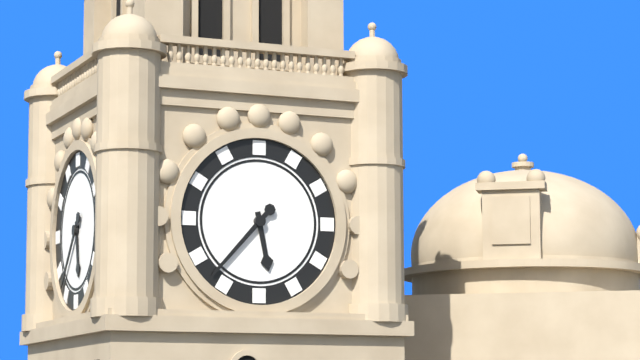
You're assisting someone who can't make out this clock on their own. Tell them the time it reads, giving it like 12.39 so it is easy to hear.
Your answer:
5.37
